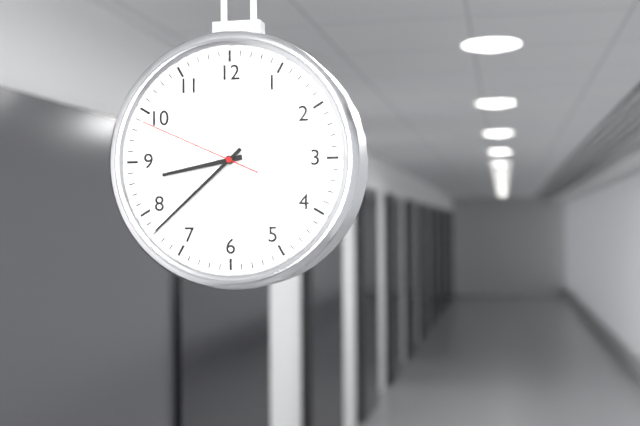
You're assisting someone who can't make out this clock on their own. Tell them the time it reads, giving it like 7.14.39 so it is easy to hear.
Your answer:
8.38.49
